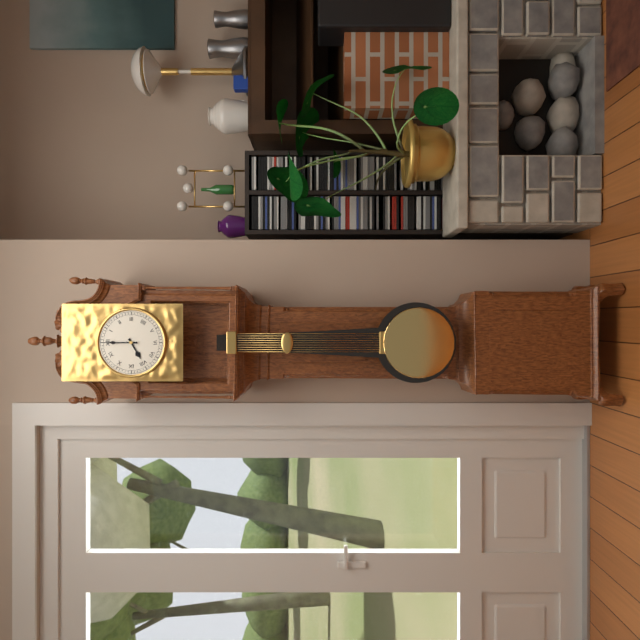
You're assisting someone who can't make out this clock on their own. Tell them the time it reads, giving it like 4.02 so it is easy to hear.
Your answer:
8.00
